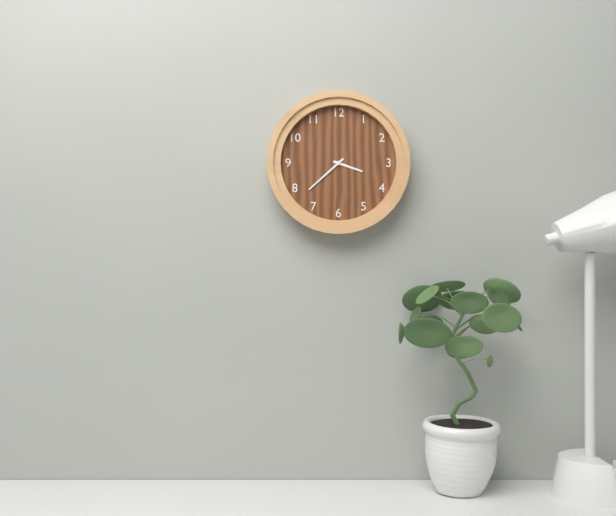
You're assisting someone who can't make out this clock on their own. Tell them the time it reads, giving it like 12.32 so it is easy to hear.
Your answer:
3.38
